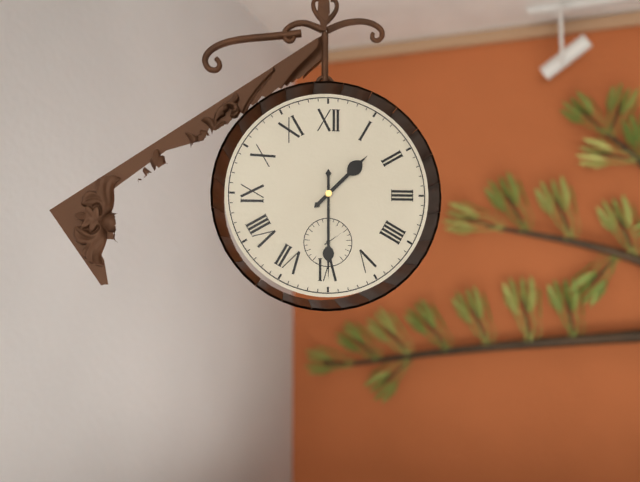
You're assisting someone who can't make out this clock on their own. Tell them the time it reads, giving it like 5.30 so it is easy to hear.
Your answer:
1.30
